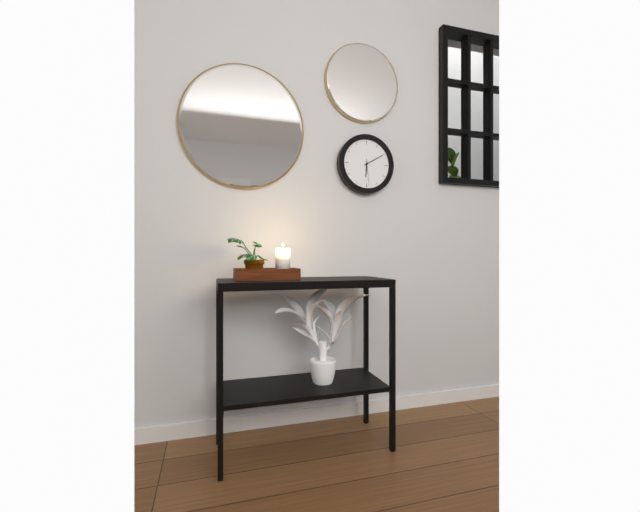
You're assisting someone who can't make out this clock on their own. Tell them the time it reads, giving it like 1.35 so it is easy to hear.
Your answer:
6.10
